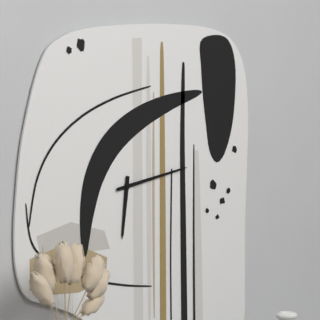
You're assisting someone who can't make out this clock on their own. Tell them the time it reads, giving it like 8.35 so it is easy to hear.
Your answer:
6.13
